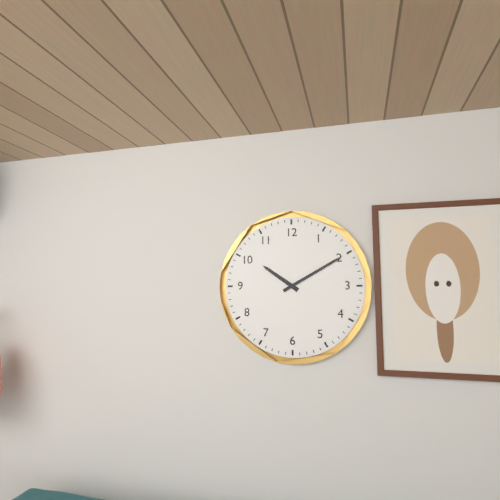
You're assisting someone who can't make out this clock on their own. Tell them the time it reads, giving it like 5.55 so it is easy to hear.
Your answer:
10.10
